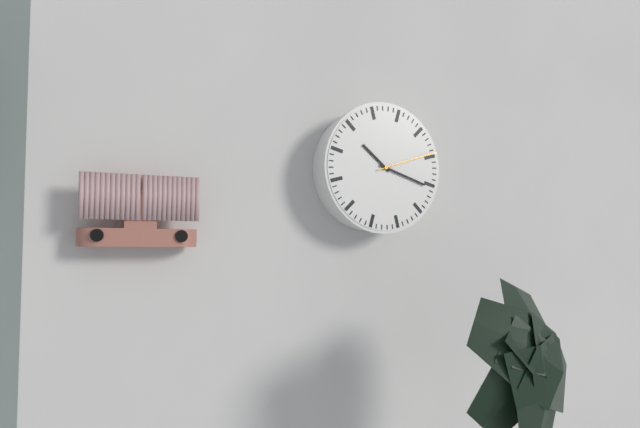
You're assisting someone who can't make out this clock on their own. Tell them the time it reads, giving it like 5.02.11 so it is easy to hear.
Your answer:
10.18.12
